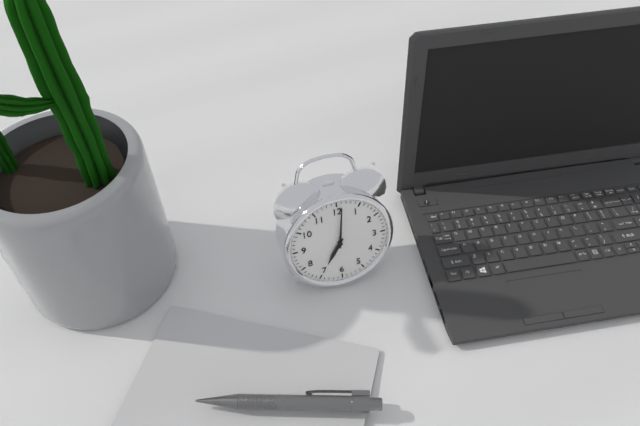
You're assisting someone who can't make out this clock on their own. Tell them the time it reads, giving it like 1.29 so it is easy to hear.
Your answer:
7.01
